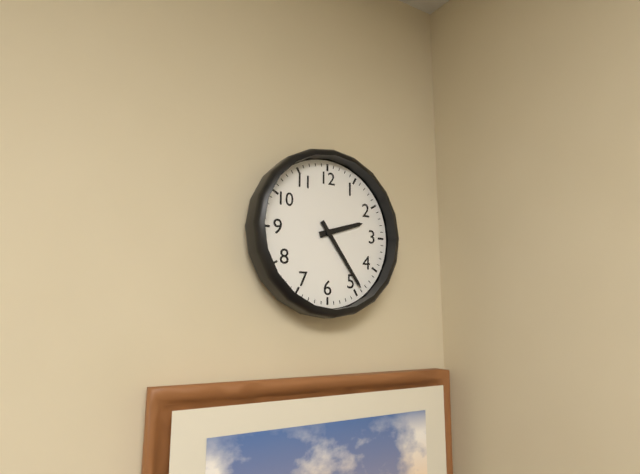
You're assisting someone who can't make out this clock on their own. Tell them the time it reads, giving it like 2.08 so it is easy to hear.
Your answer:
2.24
